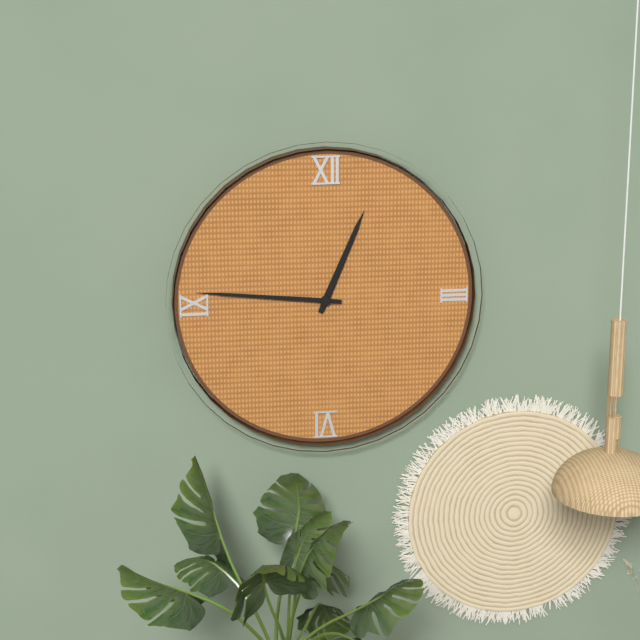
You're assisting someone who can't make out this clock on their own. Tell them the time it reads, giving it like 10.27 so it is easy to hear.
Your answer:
12.46
